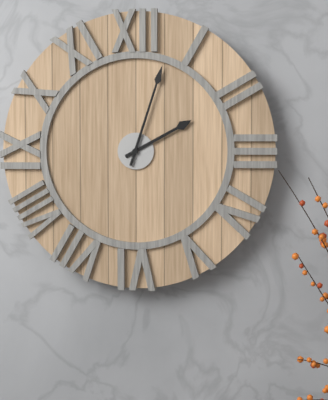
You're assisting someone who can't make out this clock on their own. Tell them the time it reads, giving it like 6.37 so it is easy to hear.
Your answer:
2.03
